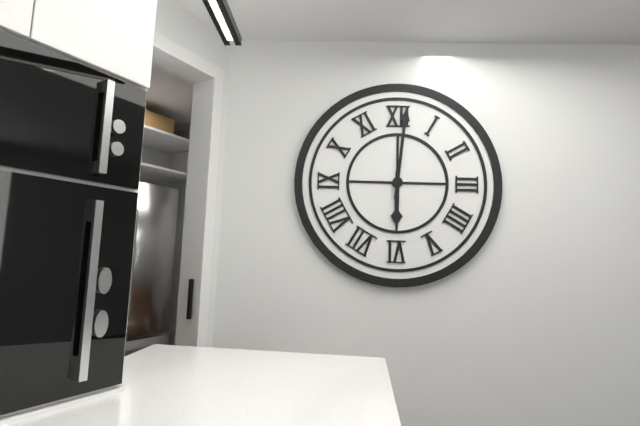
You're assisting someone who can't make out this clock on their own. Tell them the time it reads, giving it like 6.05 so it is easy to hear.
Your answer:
6.01
